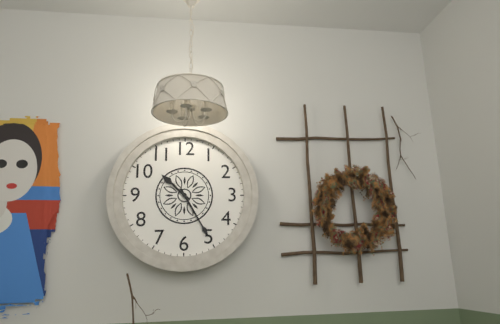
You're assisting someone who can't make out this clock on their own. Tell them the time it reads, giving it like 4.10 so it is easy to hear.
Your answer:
10.25
